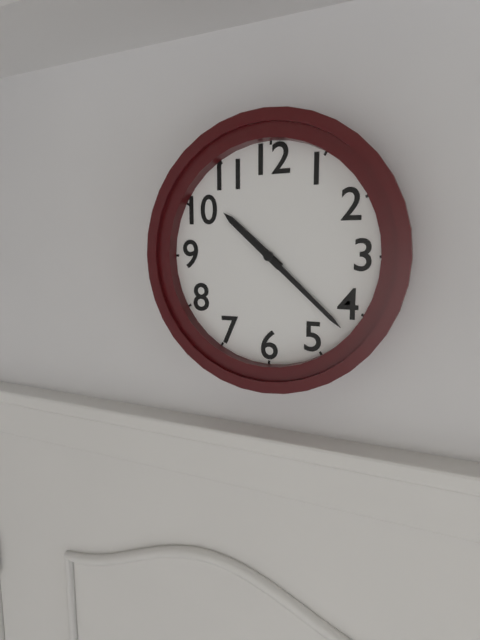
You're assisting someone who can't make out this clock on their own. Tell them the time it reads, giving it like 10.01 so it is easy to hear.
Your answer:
10.22
